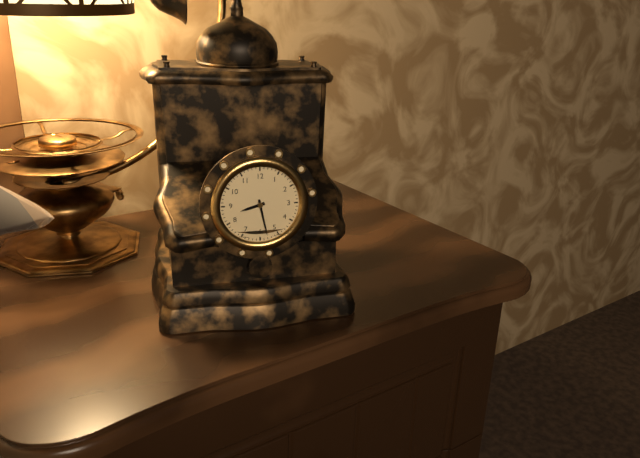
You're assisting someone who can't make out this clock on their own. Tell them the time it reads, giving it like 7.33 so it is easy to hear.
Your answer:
8.28
